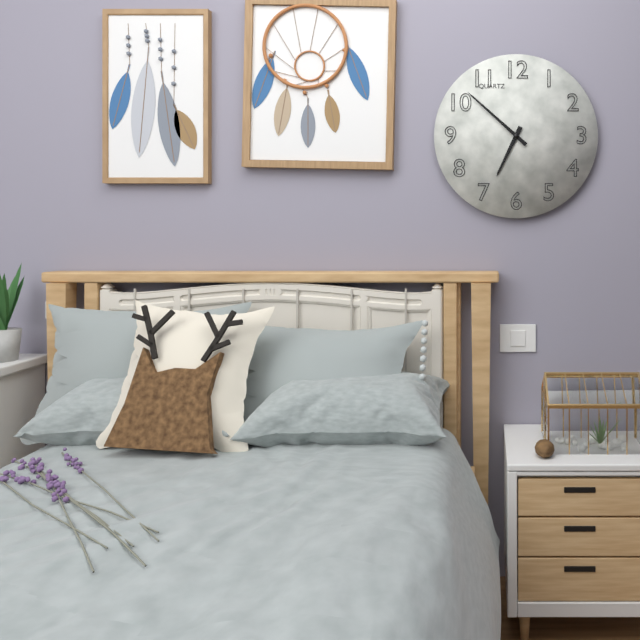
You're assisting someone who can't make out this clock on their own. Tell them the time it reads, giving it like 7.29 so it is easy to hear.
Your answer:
6.52
